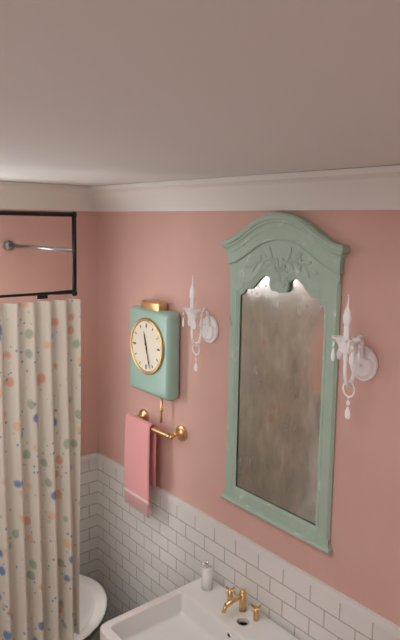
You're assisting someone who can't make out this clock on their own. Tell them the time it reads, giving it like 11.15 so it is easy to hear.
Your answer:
11.27
